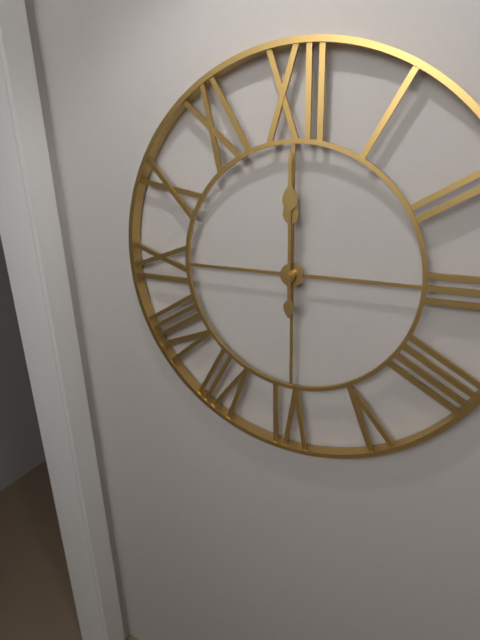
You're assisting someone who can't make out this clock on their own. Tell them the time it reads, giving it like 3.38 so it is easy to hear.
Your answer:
12.00
